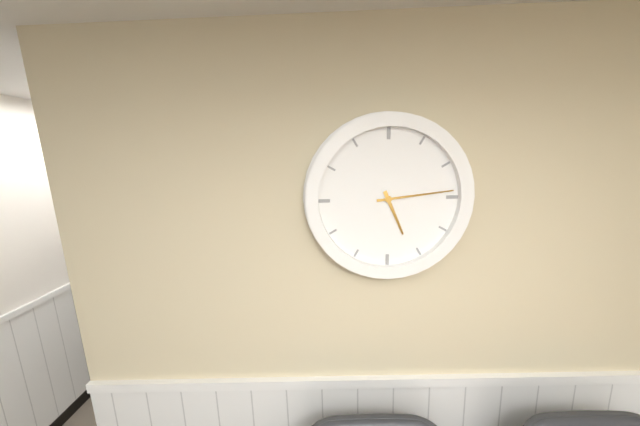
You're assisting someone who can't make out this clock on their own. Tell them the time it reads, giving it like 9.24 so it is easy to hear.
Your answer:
5.14
